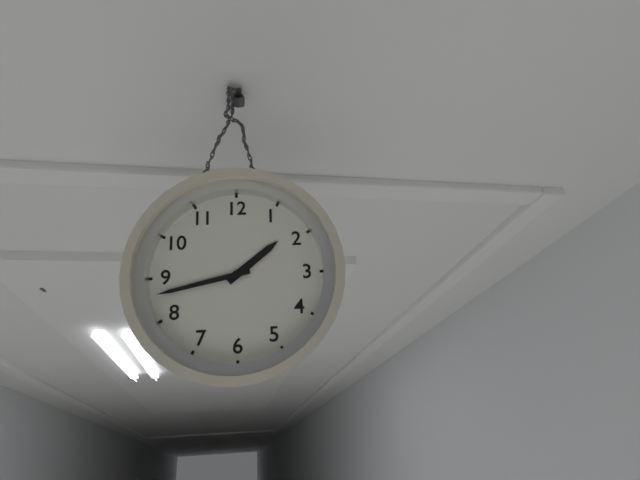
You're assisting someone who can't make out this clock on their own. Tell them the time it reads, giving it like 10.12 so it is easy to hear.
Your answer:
1.43
